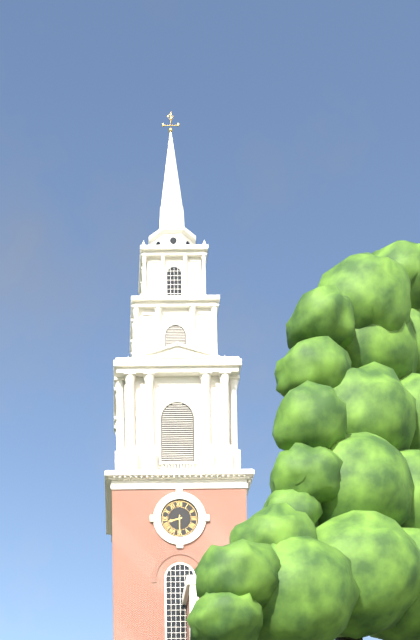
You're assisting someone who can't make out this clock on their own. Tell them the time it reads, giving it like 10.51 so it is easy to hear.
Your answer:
8.30
